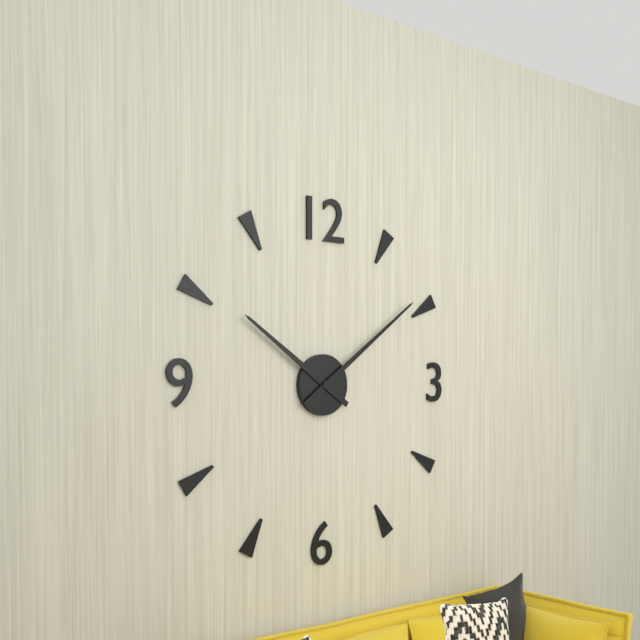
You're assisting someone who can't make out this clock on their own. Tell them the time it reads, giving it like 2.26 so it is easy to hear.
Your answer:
10.09
